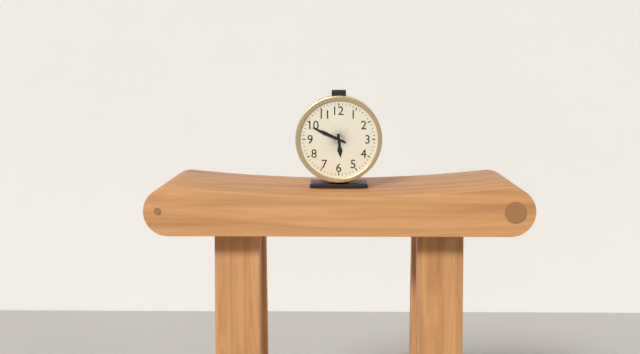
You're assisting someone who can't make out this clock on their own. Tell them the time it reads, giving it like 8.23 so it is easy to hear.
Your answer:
5.49
